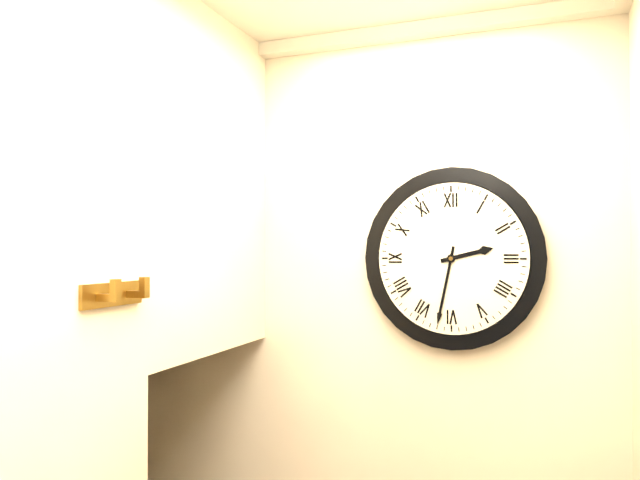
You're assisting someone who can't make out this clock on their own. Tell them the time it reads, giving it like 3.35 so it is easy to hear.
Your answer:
2.32
